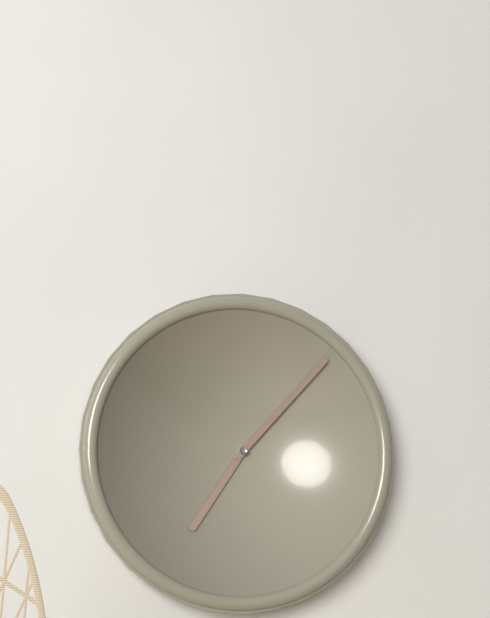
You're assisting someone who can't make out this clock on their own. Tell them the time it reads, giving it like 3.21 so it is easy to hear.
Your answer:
7.07
